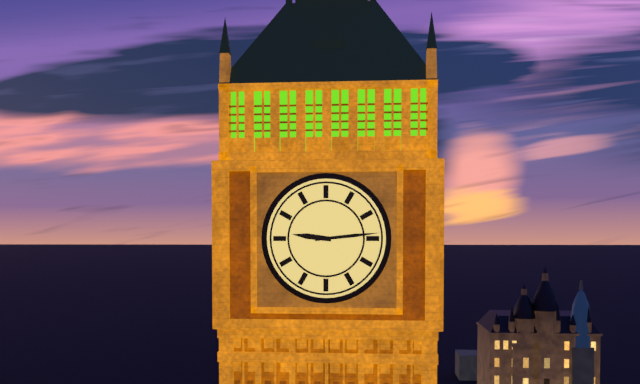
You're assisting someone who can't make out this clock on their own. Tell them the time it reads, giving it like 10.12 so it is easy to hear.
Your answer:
9.14
